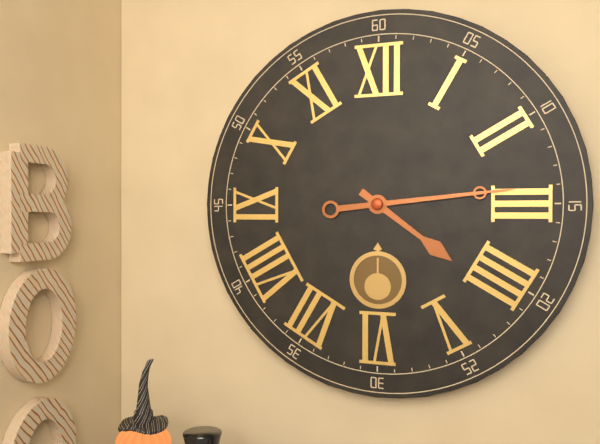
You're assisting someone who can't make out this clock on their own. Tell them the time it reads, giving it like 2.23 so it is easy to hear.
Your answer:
4.14
